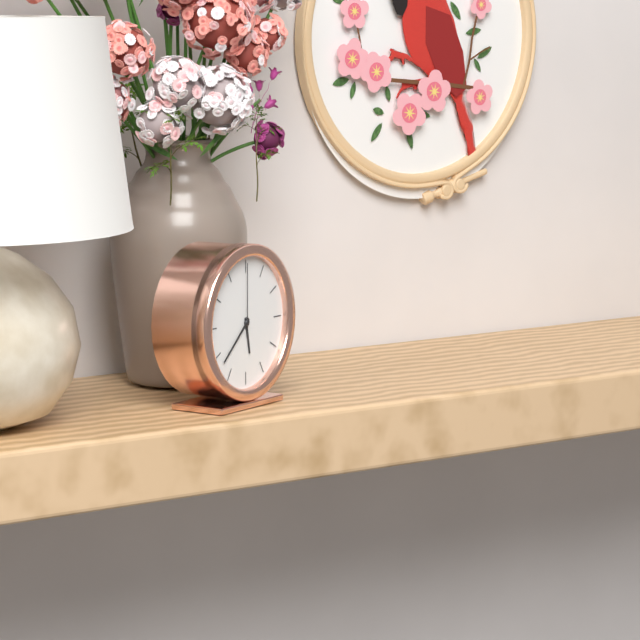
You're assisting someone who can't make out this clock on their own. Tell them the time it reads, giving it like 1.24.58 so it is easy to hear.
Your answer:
5.38.00
